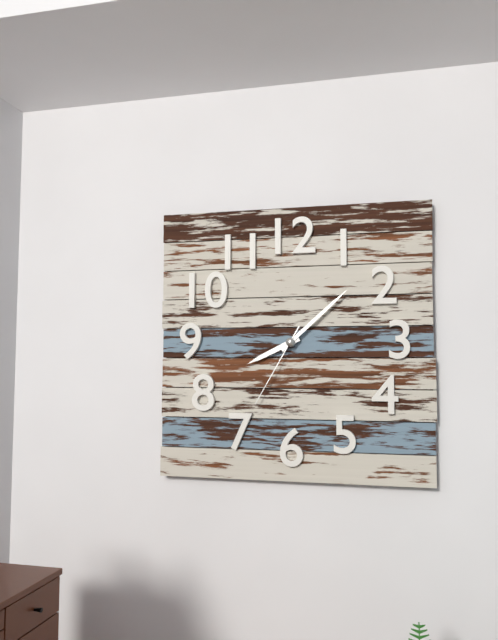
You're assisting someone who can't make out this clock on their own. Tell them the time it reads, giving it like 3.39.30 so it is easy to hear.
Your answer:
8.08.35
